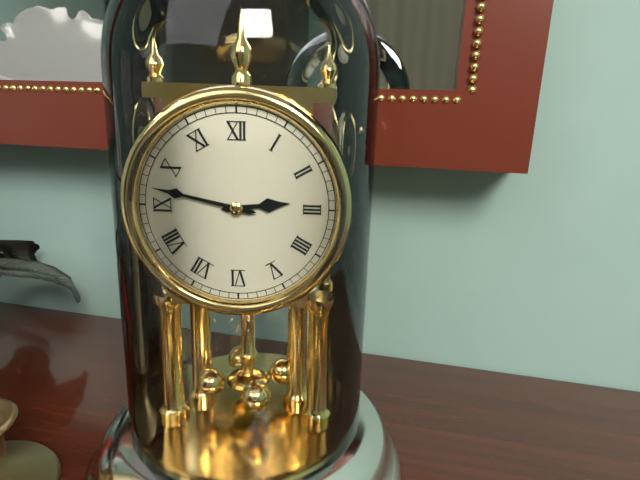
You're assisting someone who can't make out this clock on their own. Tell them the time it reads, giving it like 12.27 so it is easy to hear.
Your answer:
2.47
